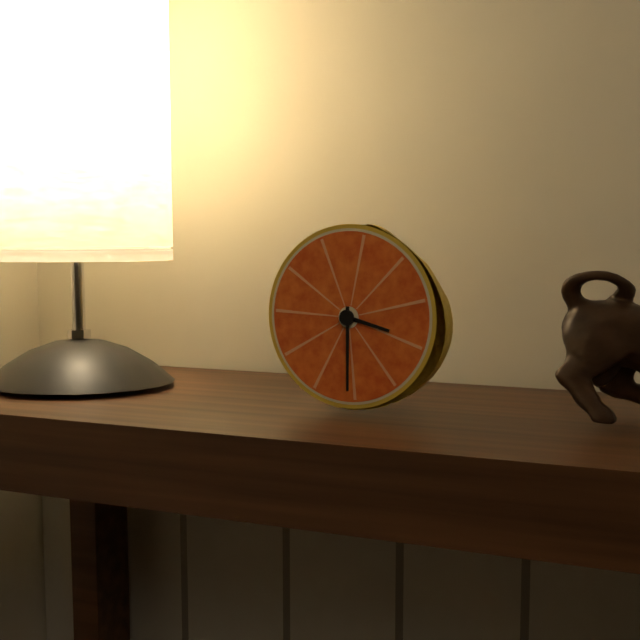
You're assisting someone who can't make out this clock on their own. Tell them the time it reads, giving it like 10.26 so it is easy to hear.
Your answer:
3.30
